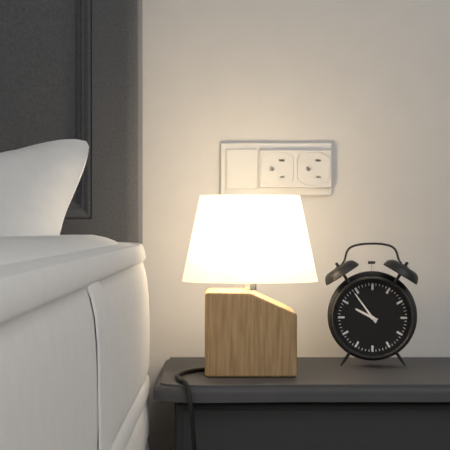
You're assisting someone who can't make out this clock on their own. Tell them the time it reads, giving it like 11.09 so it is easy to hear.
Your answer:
9.54
